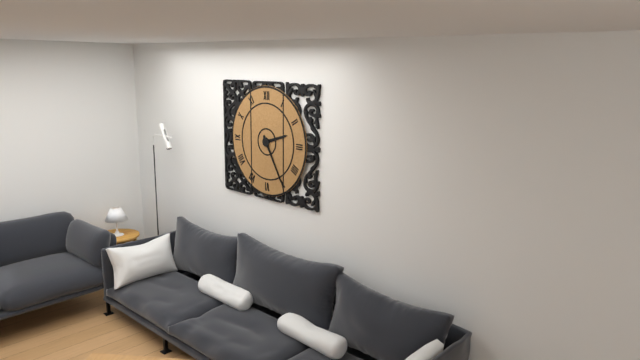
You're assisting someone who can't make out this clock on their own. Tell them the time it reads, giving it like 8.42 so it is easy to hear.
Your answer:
2.25
